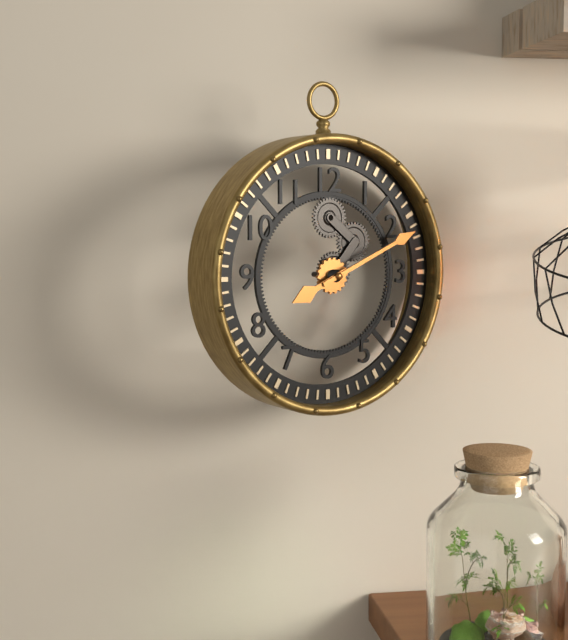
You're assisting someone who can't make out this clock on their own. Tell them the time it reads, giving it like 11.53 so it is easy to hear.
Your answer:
8.11
